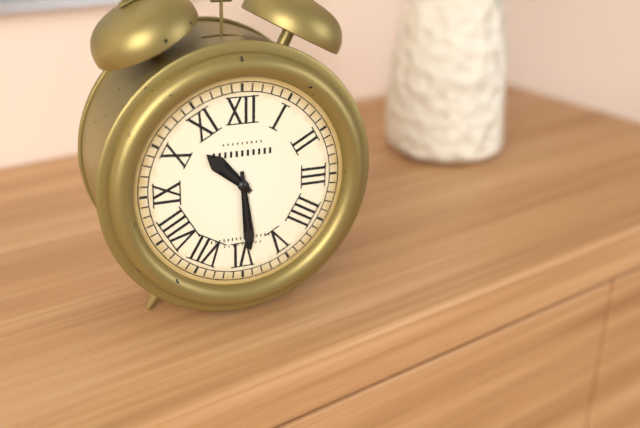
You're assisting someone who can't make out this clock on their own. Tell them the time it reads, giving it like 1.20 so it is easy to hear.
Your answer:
10.29
